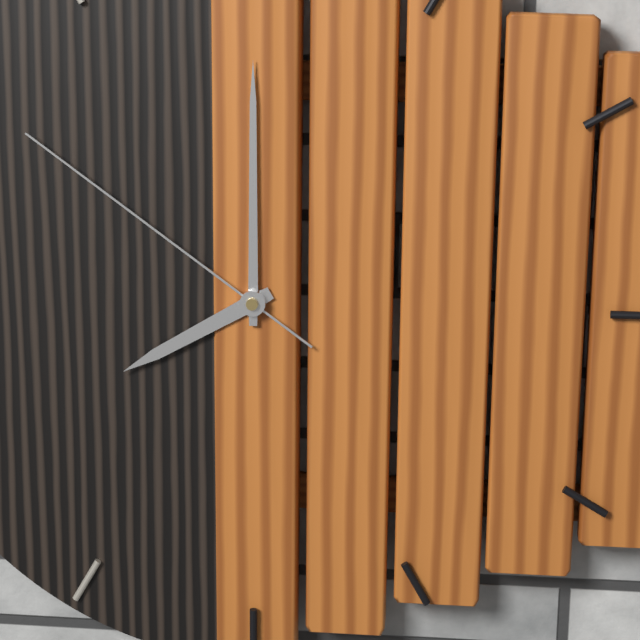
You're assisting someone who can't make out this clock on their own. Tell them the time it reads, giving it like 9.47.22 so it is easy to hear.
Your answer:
8.00.51
